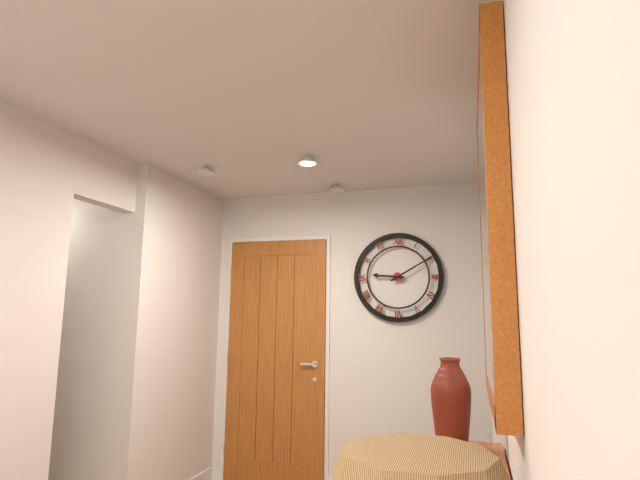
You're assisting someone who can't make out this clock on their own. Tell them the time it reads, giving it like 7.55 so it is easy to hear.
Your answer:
9.10
